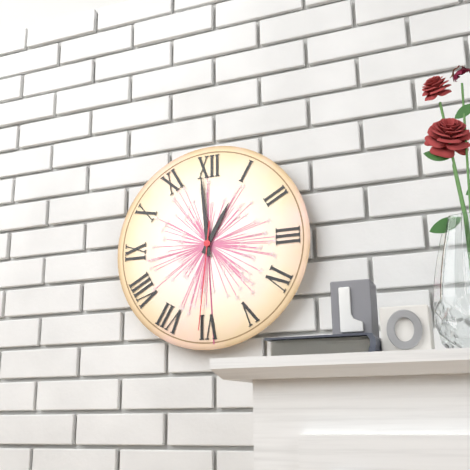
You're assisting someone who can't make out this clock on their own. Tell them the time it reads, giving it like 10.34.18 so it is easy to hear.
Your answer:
12.59.31
